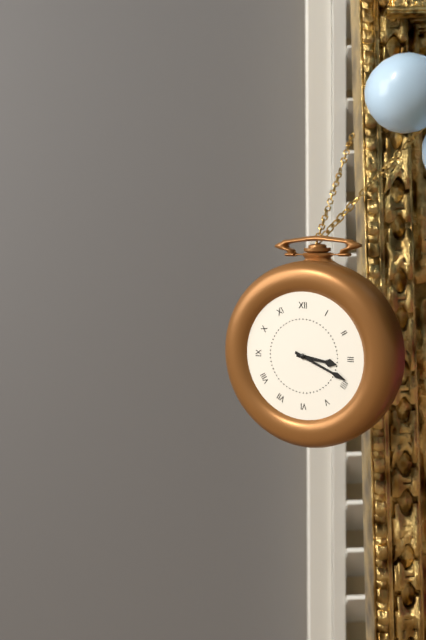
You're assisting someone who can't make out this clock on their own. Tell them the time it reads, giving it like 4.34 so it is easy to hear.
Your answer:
3.19
